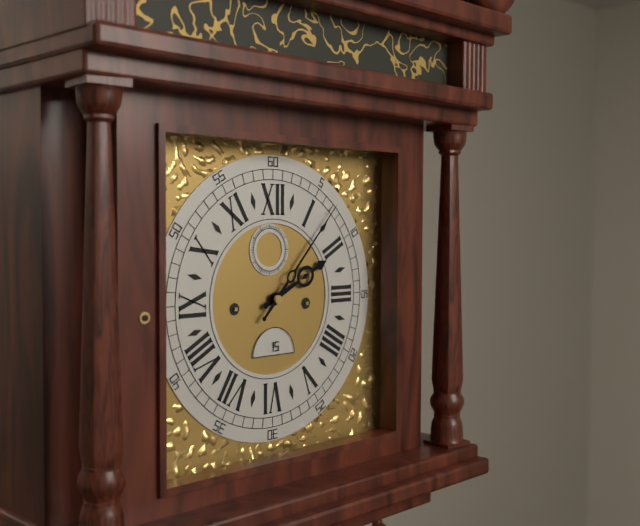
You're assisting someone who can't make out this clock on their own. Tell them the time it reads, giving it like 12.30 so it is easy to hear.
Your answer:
2.07
